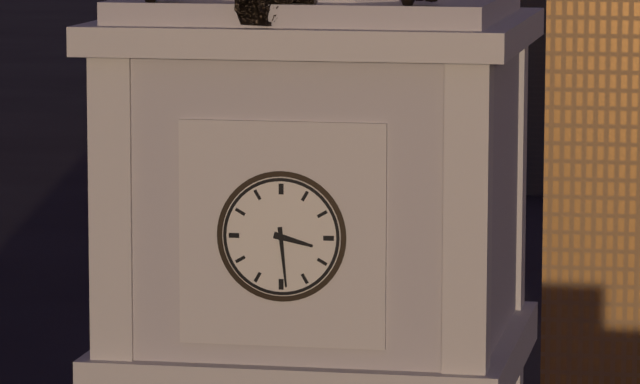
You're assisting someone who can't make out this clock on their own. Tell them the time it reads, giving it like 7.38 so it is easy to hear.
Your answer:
3.29
